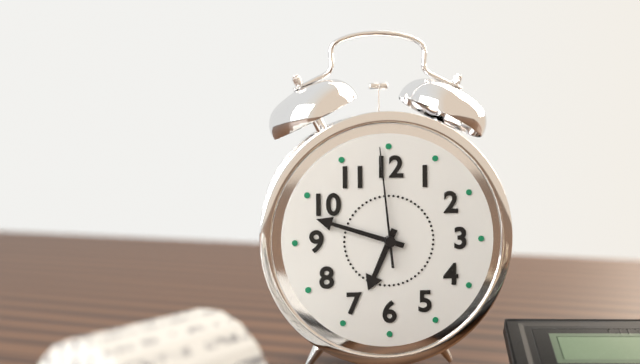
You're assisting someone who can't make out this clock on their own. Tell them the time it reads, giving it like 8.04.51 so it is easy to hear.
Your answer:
6.48.59
